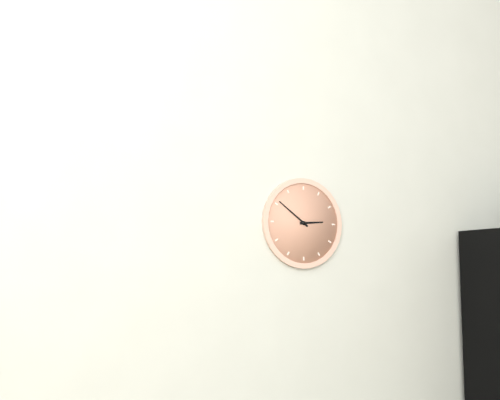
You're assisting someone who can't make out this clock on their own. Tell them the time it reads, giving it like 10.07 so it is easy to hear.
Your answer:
2.51
